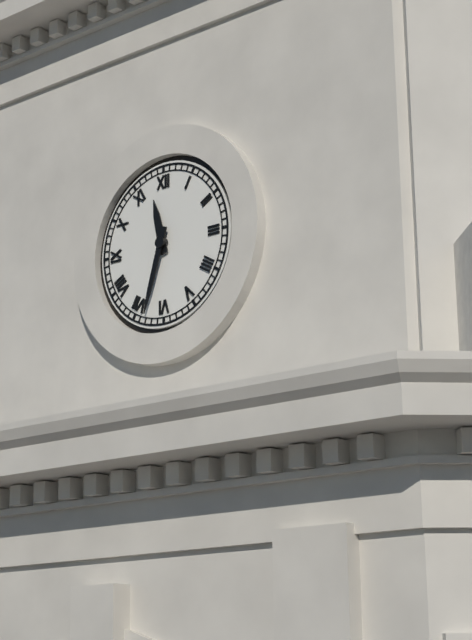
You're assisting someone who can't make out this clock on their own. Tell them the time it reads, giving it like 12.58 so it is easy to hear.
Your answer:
11.33
